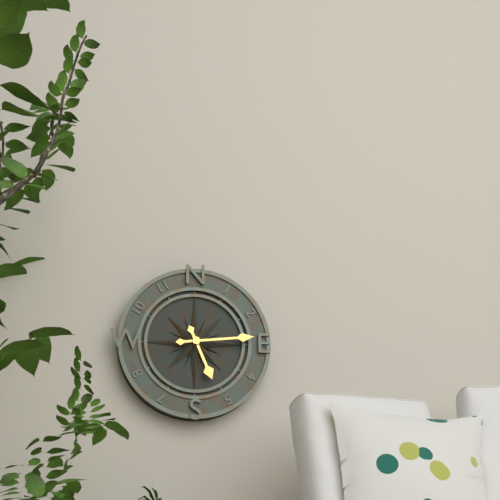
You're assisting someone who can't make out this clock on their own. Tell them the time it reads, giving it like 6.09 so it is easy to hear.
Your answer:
5.14
